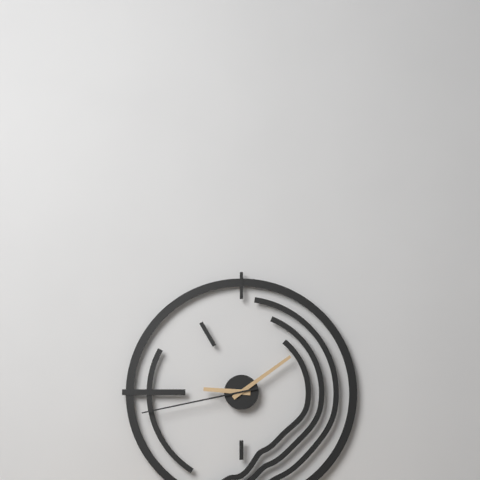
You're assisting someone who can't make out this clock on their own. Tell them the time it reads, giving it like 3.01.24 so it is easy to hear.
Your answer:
9.09.43
